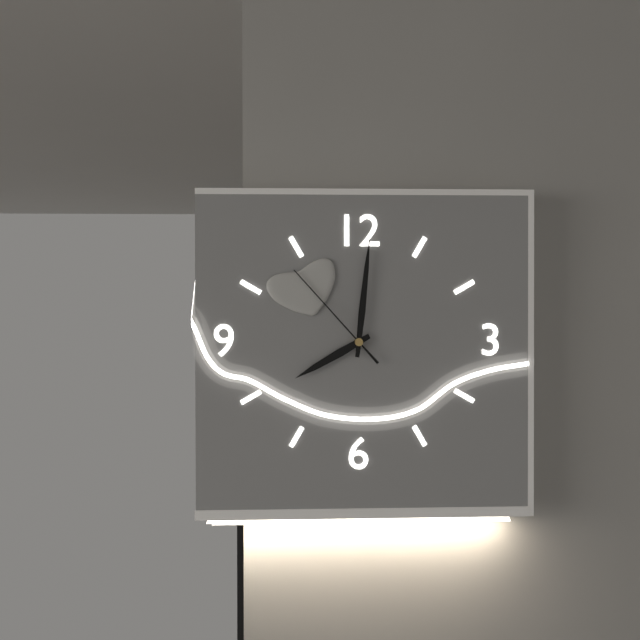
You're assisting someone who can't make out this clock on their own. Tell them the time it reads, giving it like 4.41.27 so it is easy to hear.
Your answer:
8.01.53
